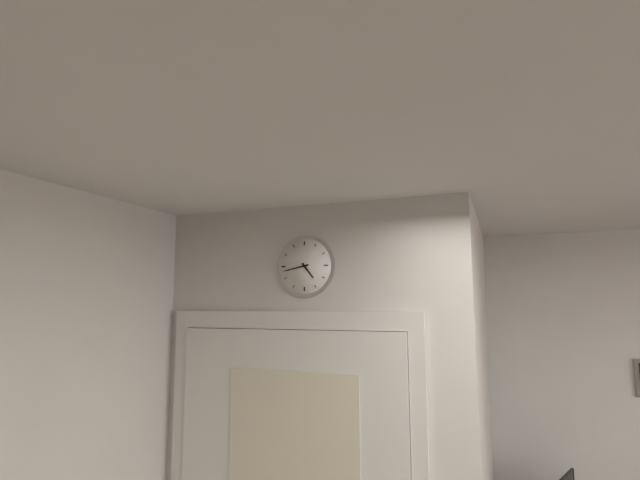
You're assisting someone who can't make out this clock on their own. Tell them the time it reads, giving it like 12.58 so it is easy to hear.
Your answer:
4.43
